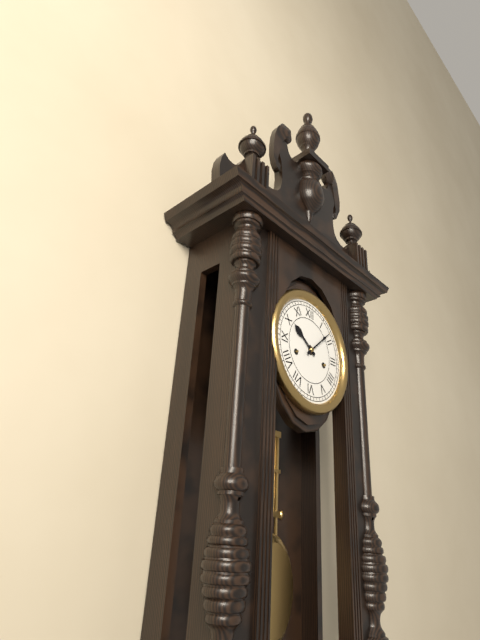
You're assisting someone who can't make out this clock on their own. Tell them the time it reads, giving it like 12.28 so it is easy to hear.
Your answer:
10.08
